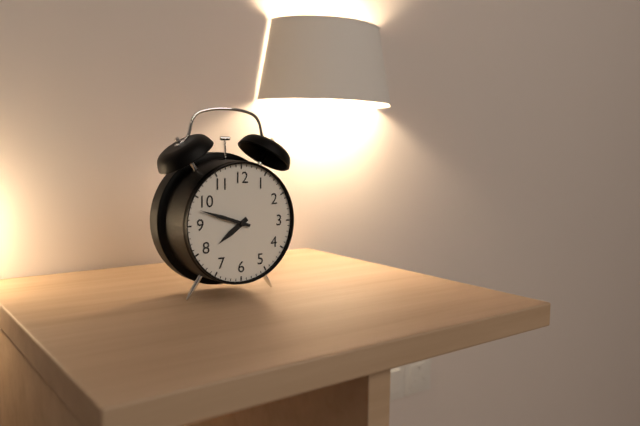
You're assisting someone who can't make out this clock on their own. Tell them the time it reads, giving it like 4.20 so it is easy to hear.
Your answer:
7.48
